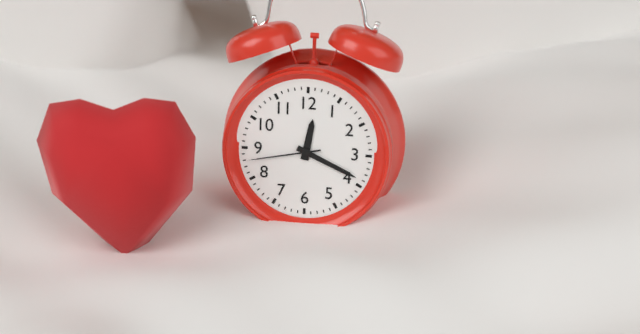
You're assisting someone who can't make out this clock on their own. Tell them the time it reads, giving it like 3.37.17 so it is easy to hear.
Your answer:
12.19.43
